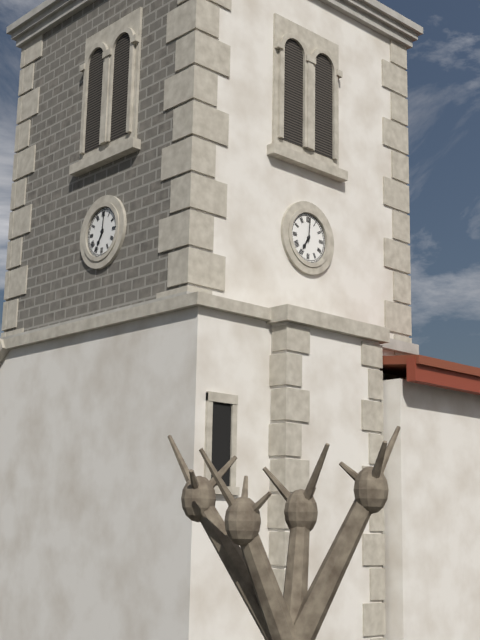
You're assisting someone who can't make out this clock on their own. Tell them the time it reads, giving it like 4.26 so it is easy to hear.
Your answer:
7.01
